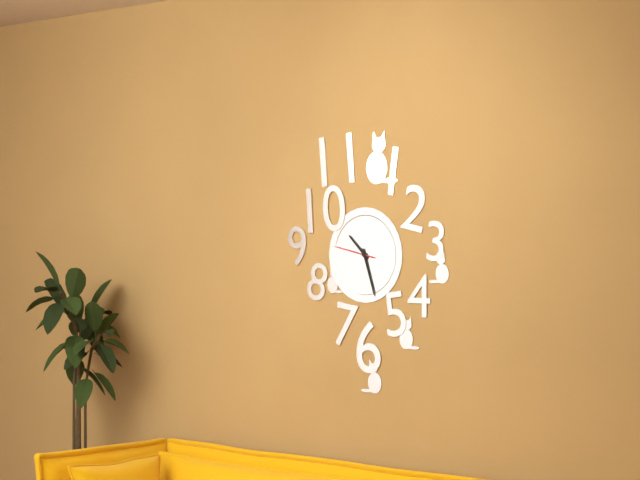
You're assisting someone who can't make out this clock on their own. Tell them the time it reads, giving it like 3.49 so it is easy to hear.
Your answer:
10.27
